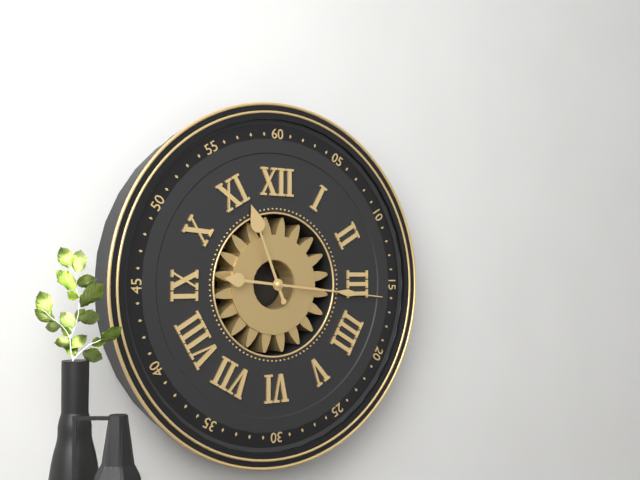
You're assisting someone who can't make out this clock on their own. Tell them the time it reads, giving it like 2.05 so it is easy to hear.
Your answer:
11.16
